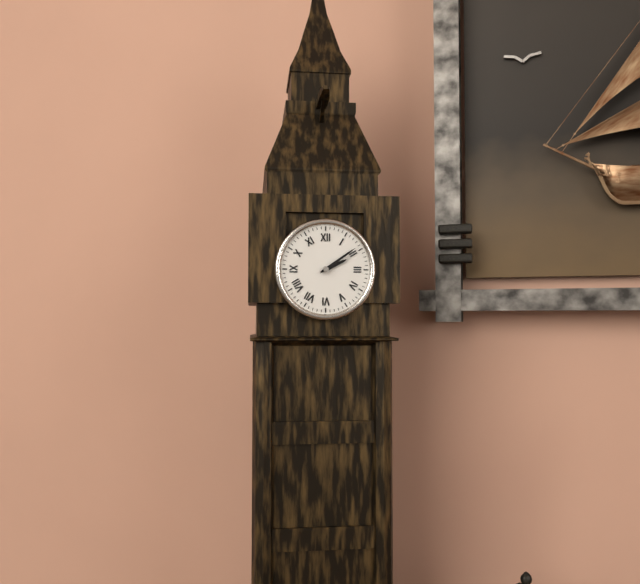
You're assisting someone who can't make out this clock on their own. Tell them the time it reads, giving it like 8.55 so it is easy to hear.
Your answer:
2.09
